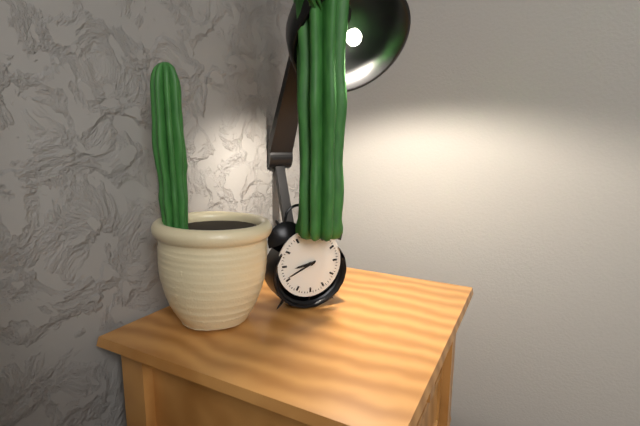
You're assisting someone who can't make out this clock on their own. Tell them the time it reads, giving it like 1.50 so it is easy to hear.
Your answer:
8.41
